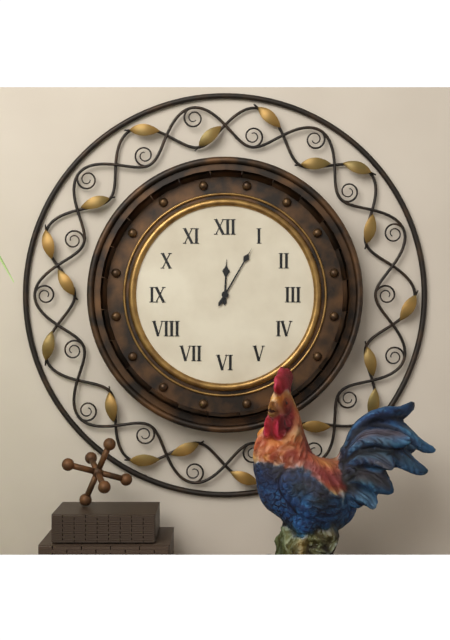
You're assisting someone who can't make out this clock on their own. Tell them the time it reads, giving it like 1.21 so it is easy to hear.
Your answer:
12.05
